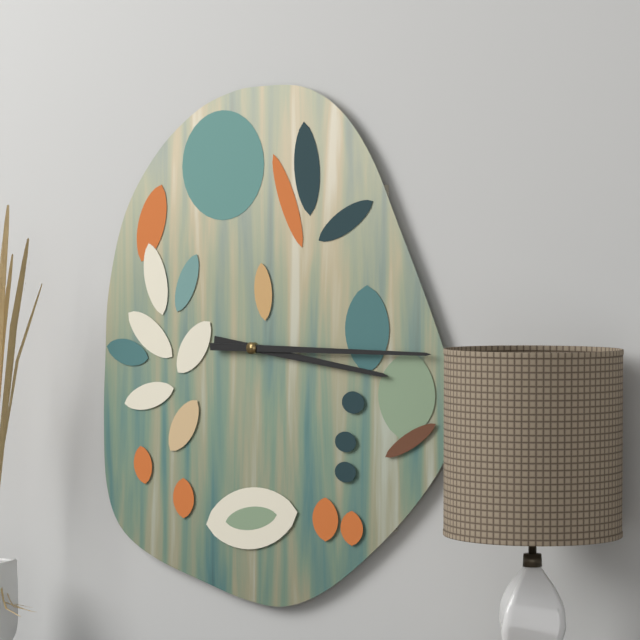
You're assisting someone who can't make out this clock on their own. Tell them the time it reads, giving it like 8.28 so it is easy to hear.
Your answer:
3.15
